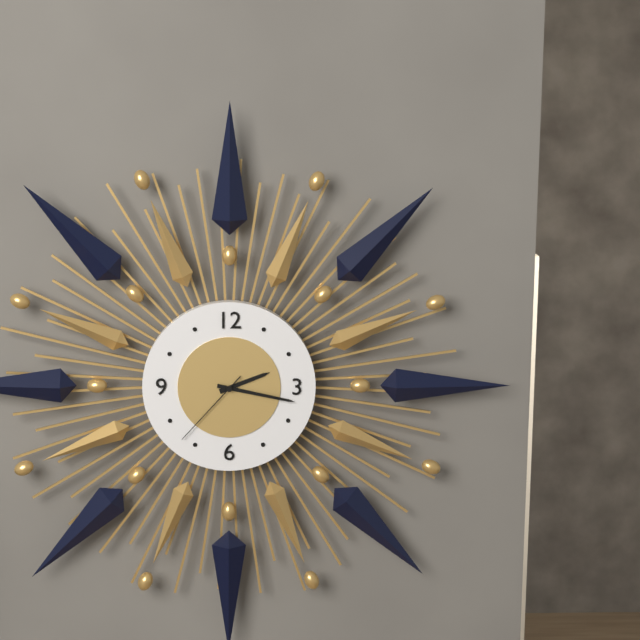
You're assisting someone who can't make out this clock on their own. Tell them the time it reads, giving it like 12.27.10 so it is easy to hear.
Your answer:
2.17.37
